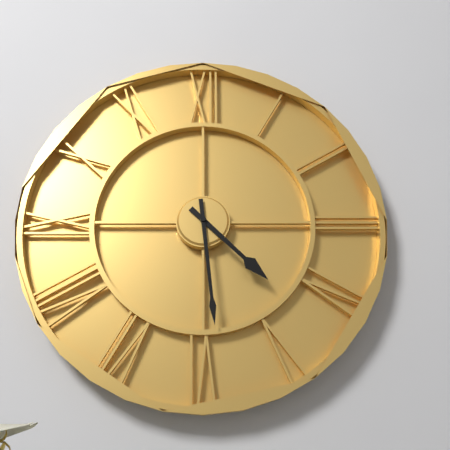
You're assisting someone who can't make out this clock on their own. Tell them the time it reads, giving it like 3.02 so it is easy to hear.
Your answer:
4.29
